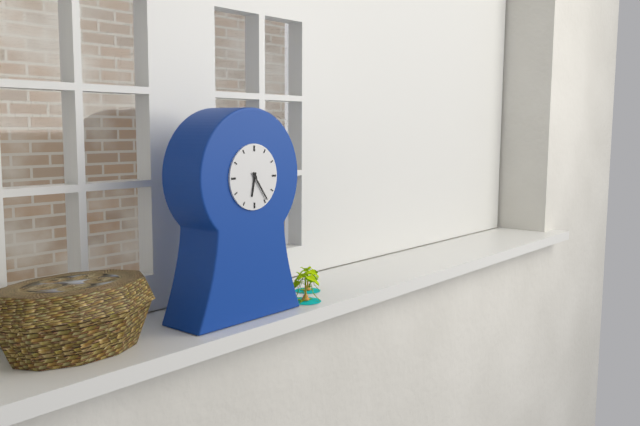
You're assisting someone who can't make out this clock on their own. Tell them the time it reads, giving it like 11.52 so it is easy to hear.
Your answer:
6.24
